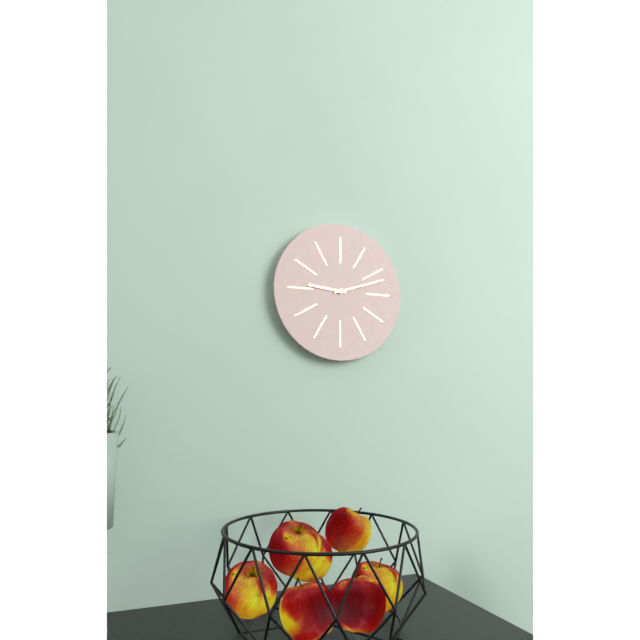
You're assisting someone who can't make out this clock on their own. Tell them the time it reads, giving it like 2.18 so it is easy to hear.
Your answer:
9.12
